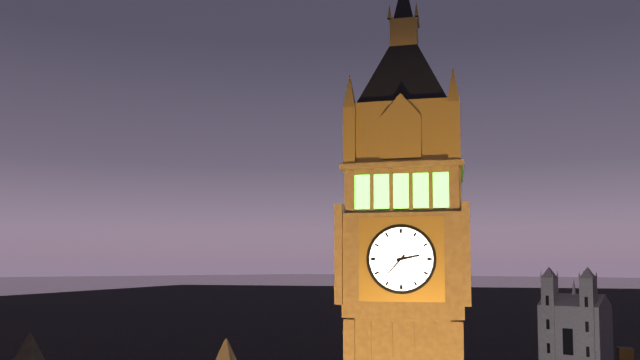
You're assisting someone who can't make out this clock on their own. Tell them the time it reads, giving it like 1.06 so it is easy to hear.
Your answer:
2.37
